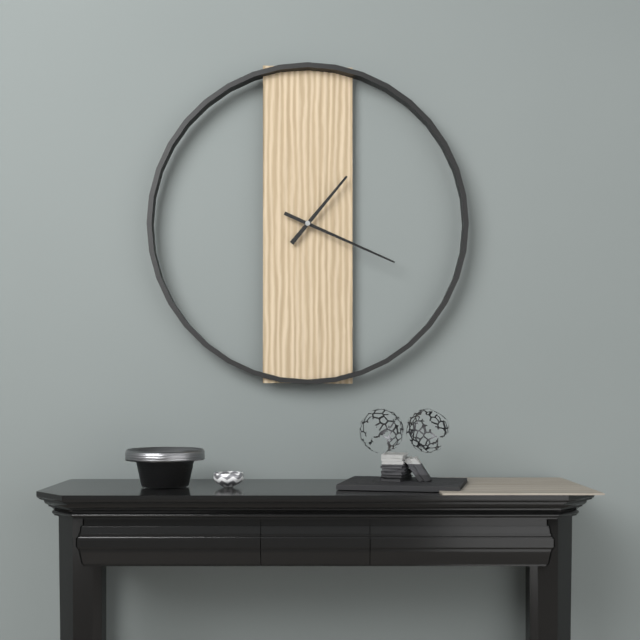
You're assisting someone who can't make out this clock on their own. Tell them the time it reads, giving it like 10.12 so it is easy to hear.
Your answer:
1.19
